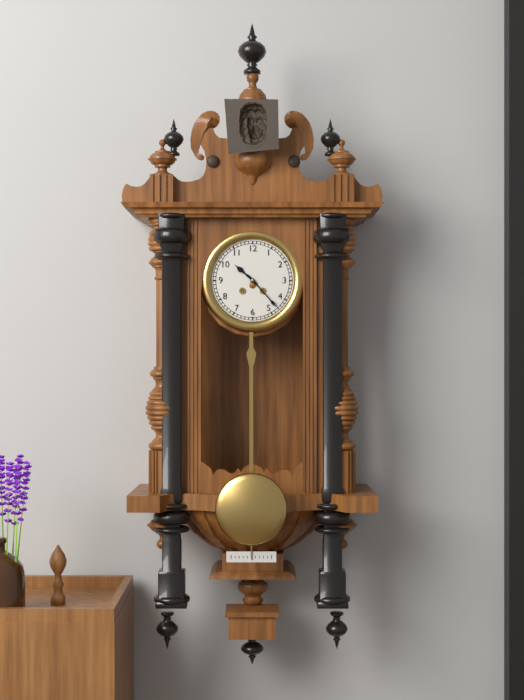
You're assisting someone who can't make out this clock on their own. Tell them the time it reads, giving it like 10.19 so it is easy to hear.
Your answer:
10.23
